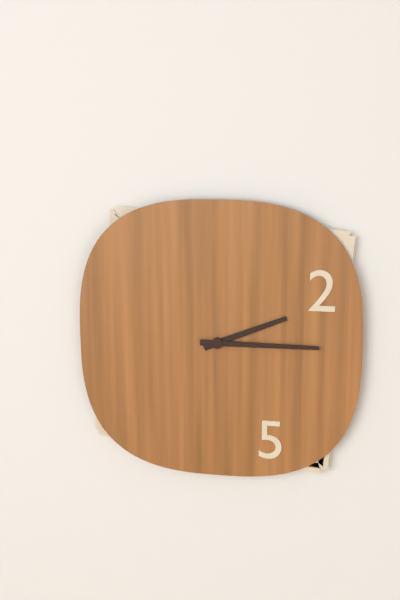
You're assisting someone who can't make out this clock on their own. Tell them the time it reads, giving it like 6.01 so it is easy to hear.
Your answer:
2.15
